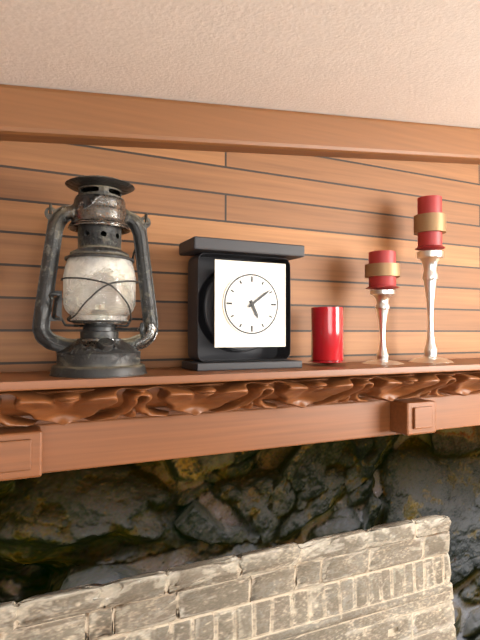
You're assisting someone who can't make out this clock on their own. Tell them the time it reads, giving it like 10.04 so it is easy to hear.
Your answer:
5.09
